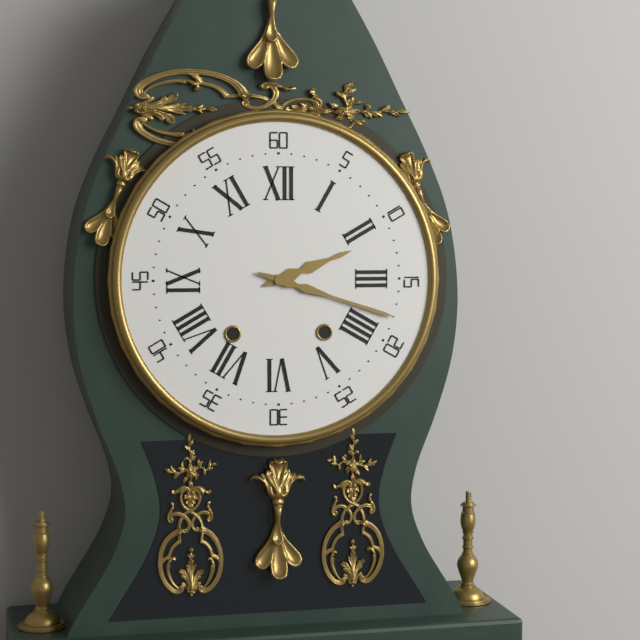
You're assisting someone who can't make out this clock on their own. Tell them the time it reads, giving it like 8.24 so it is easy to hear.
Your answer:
2.18
